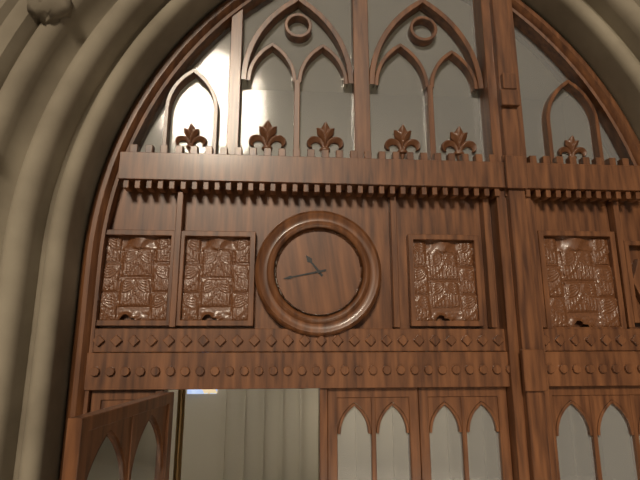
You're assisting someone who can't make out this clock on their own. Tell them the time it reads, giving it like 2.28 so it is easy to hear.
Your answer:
10.43
